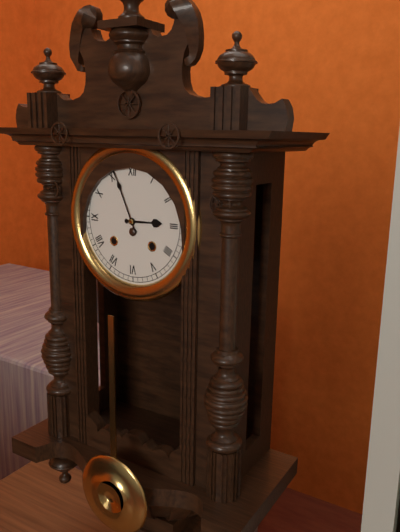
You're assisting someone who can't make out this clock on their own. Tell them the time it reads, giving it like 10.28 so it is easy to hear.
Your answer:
2.56
